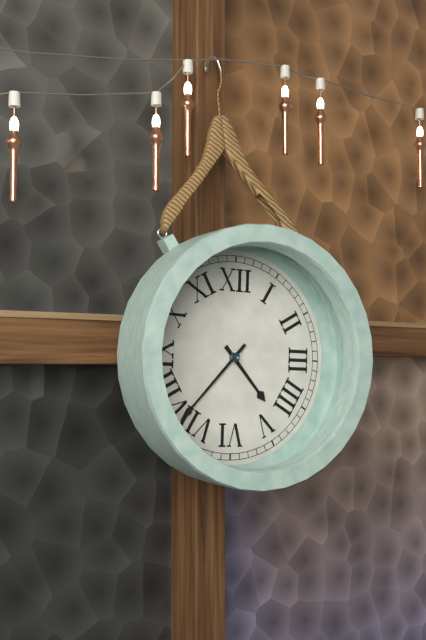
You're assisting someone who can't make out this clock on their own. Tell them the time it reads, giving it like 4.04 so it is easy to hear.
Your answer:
4.37
